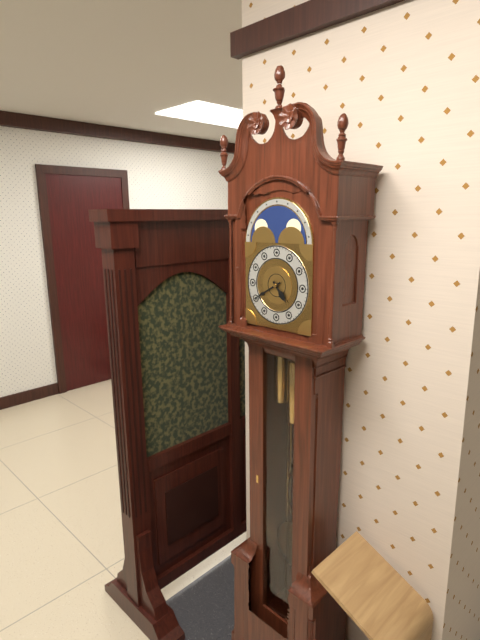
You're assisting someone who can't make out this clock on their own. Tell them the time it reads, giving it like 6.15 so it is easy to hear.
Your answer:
4.40
